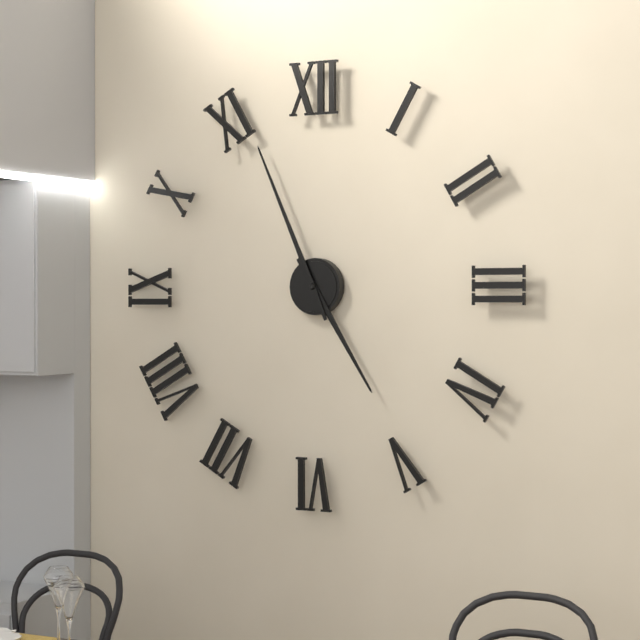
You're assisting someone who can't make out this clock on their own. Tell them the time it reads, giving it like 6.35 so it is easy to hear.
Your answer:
4.56
